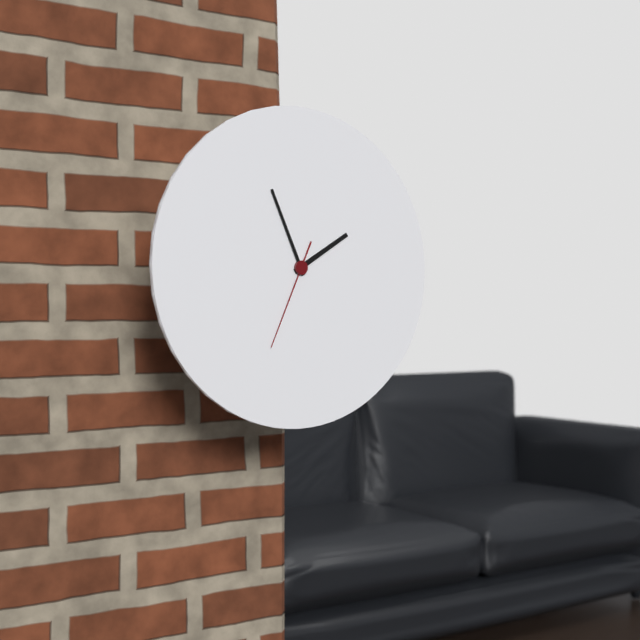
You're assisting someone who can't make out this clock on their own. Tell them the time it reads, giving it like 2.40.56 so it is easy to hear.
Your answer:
1.56.34
